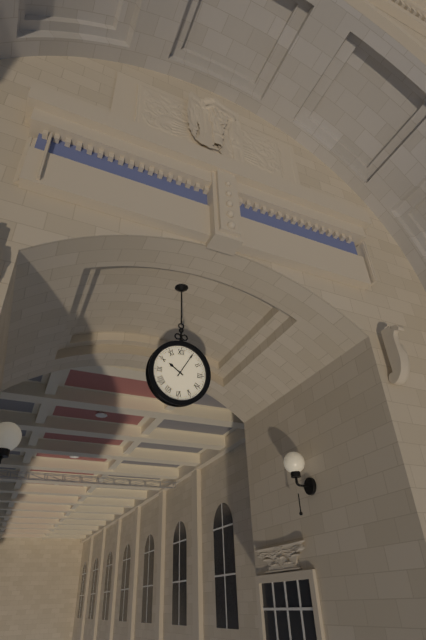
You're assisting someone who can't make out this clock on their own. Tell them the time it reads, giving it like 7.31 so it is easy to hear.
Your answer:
10.05
